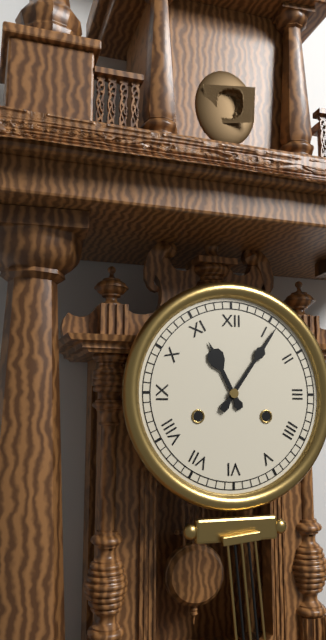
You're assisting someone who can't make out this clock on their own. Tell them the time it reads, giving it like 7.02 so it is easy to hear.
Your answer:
11.06
